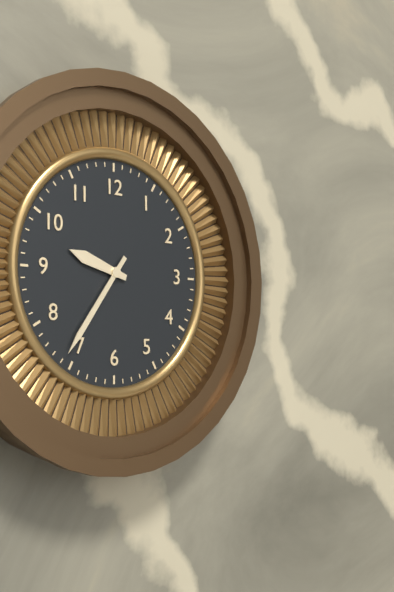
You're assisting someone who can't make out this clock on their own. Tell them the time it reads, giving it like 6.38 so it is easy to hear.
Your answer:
9.36
